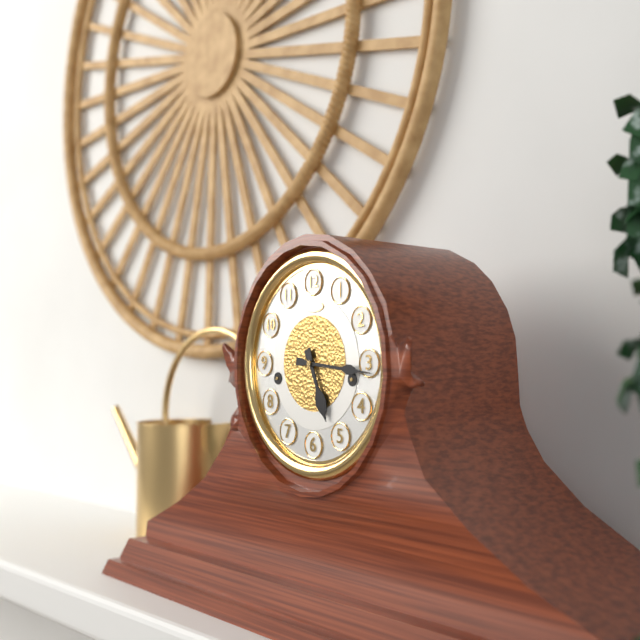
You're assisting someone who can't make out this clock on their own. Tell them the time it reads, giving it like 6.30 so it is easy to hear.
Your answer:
5.16
